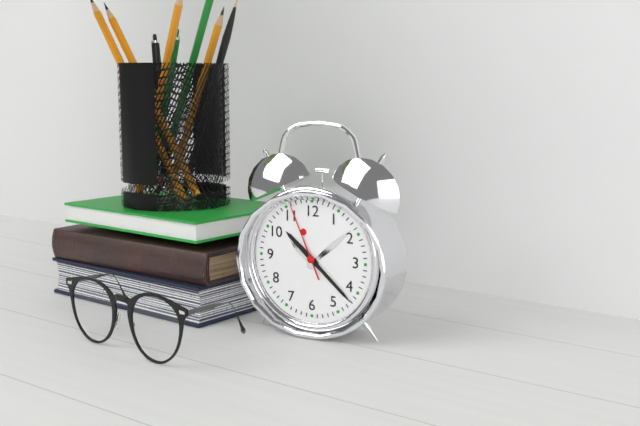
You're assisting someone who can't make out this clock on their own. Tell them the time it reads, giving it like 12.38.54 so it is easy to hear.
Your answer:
10.22.56
